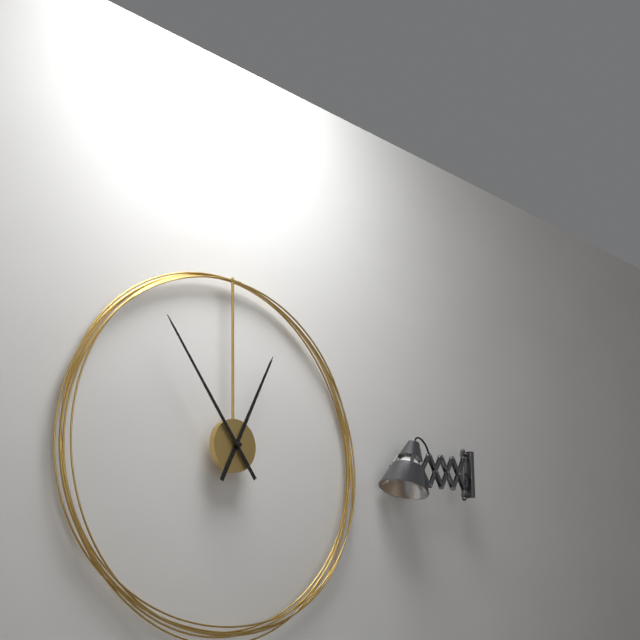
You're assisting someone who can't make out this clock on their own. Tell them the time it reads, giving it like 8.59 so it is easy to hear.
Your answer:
12.54
